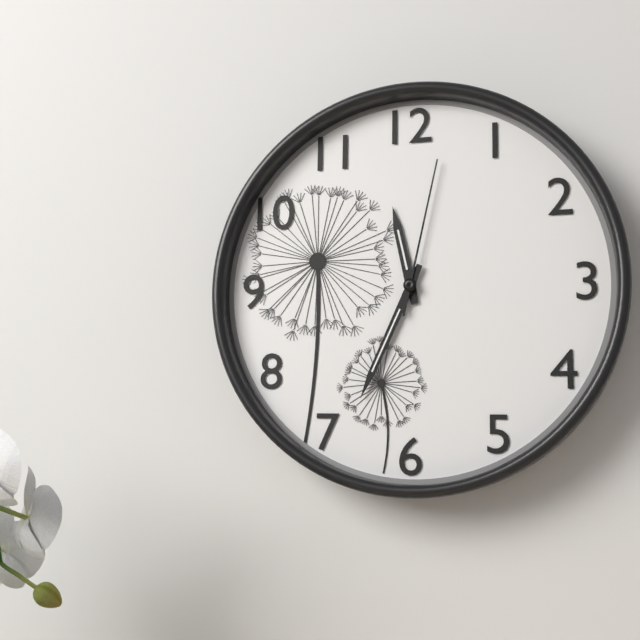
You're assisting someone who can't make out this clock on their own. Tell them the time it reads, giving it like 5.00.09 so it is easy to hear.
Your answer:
11.34.02
